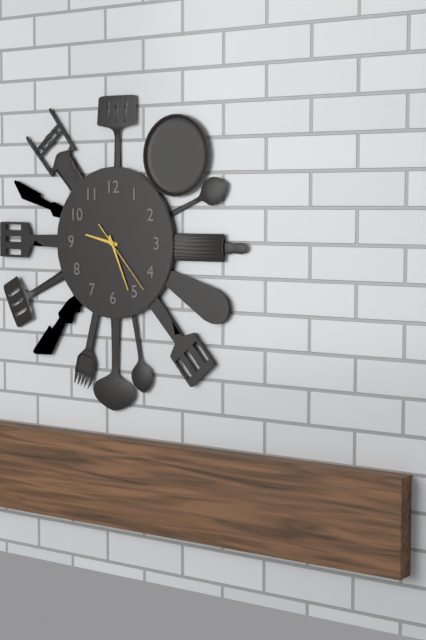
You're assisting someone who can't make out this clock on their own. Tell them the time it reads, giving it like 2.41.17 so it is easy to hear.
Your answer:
9.26.23
